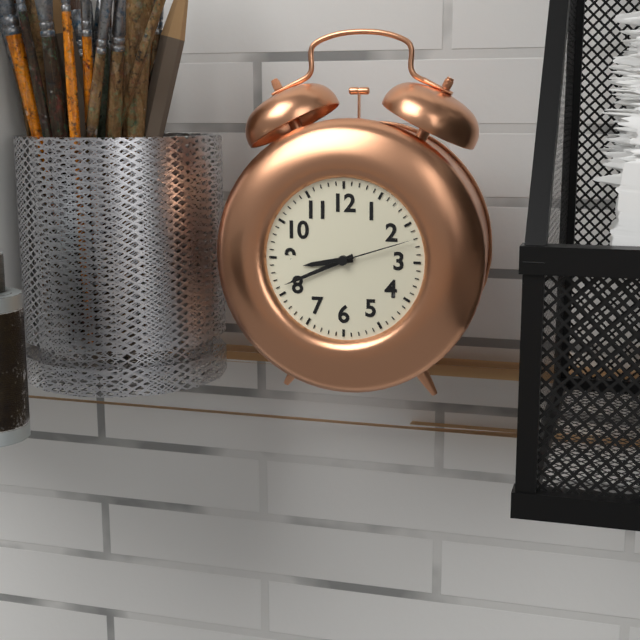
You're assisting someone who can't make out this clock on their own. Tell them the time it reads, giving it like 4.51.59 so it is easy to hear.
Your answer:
8.41.12
